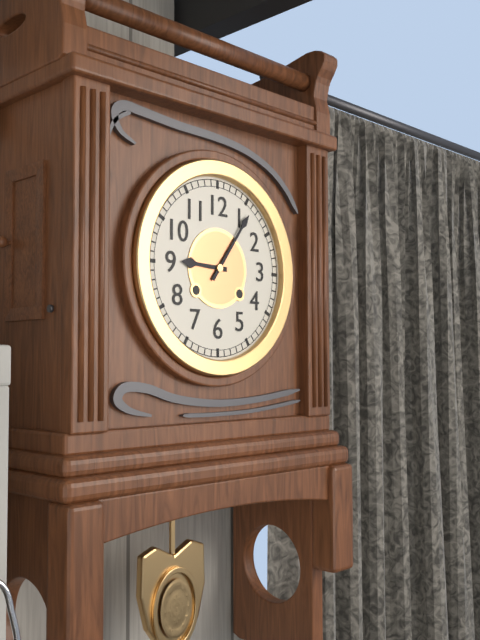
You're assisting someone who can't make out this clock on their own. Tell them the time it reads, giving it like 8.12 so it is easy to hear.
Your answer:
9.06
